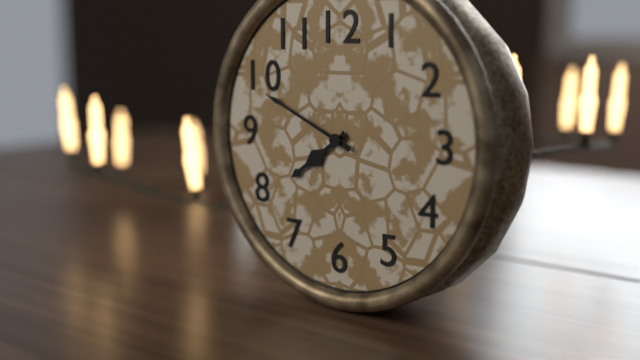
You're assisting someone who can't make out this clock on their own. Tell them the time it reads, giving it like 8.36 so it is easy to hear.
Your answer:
7.49
